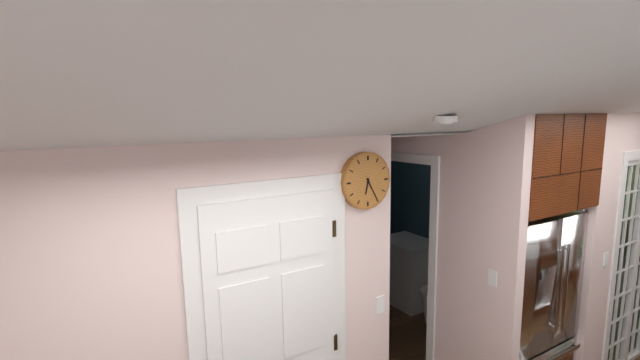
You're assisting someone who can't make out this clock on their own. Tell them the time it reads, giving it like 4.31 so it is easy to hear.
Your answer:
6.25
